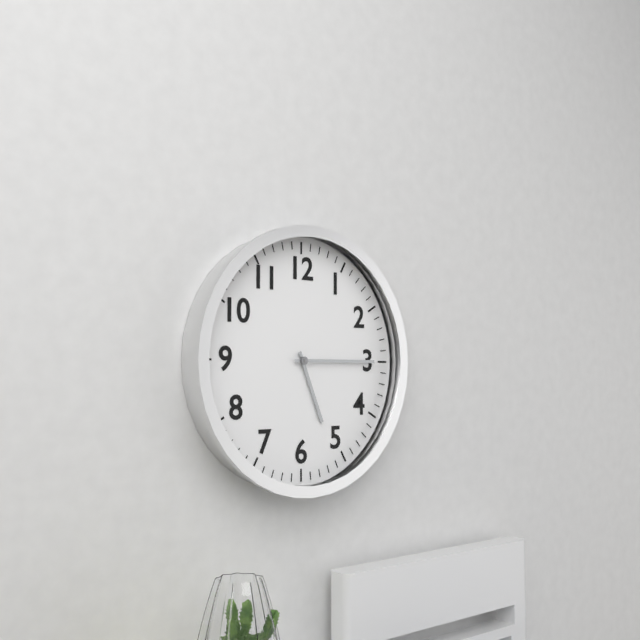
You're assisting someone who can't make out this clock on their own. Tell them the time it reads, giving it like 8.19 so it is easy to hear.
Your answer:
5.15
